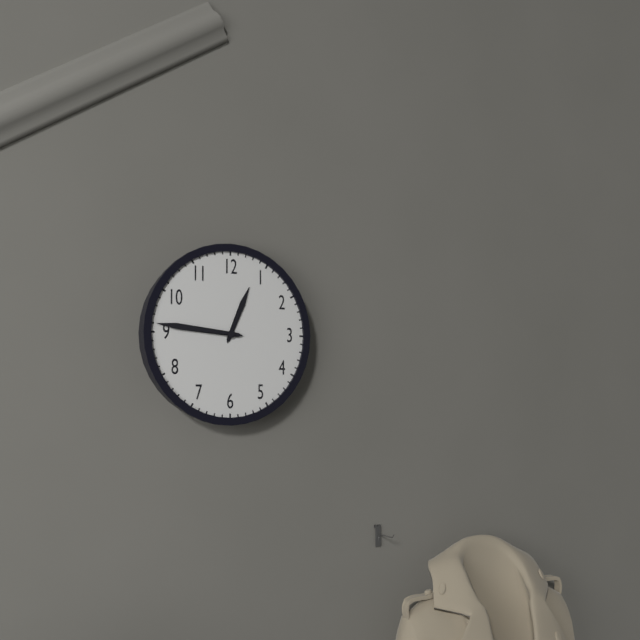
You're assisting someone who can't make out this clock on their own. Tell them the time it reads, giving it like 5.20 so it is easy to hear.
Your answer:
12.46
